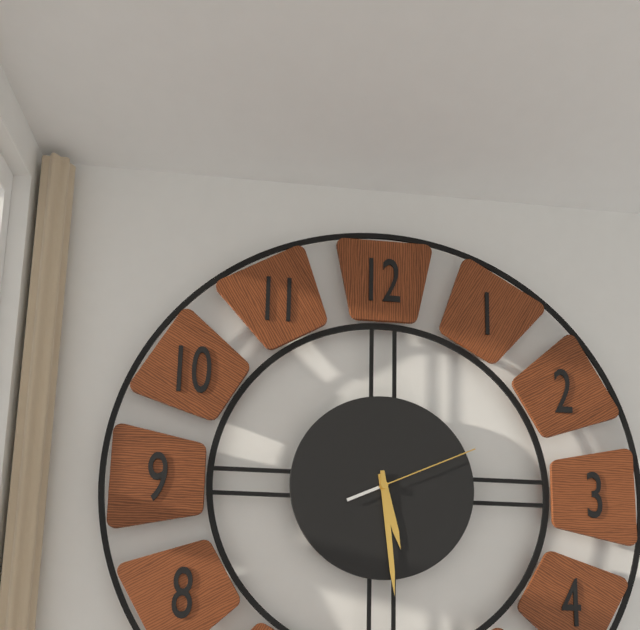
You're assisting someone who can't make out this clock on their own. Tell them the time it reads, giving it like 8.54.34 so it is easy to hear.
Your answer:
5.29.11
